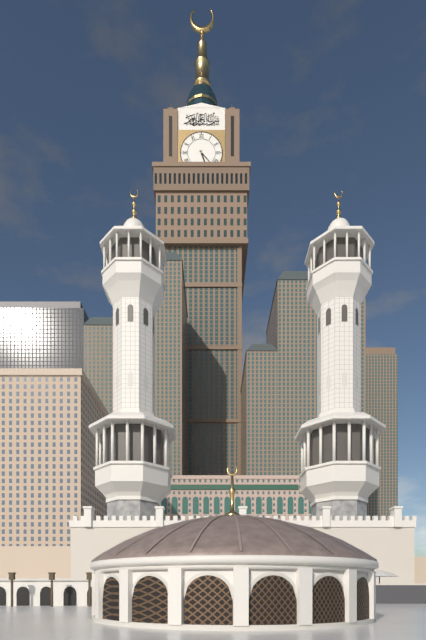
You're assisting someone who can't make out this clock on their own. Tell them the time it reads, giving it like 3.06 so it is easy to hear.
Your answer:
5.23
